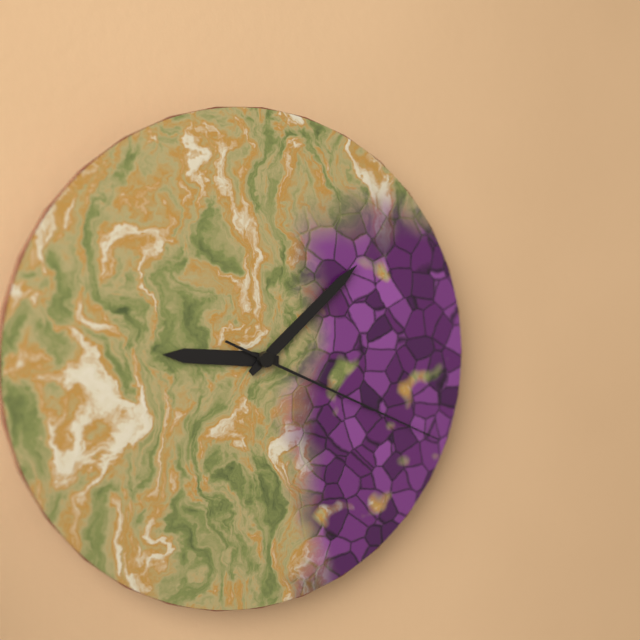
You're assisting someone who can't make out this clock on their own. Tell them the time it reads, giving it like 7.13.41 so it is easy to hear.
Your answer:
9.08.19
